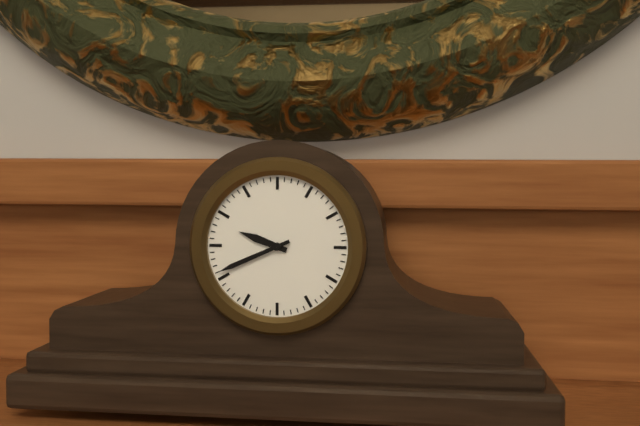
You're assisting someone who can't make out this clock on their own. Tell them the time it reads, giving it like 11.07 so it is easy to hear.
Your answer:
9.41
